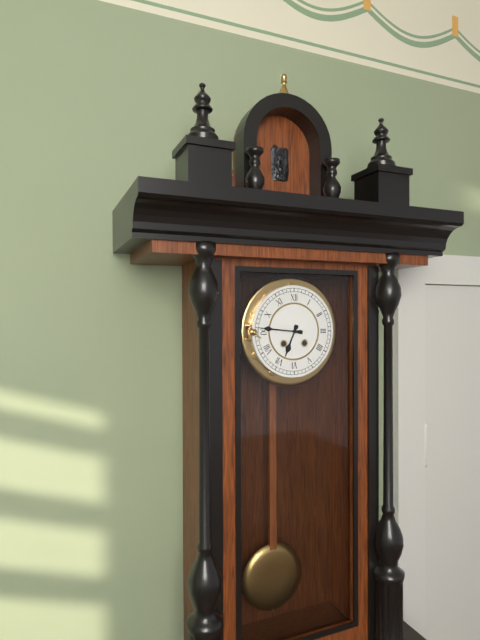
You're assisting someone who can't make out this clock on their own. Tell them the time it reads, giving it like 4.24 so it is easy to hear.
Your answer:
6.46
